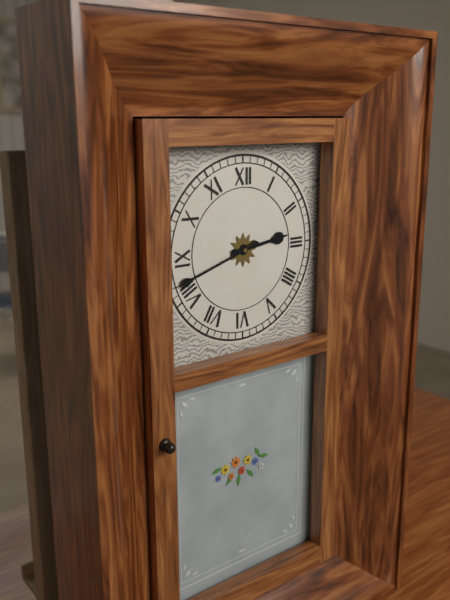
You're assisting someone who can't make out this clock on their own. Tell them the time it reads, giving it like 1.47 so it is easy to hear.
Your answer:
2.42
